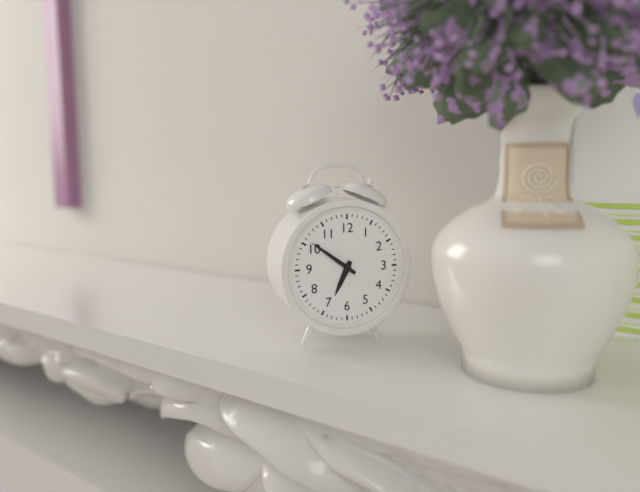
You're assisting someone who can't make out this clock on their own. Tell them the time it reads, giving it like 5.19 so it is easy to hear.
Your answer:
6.51
